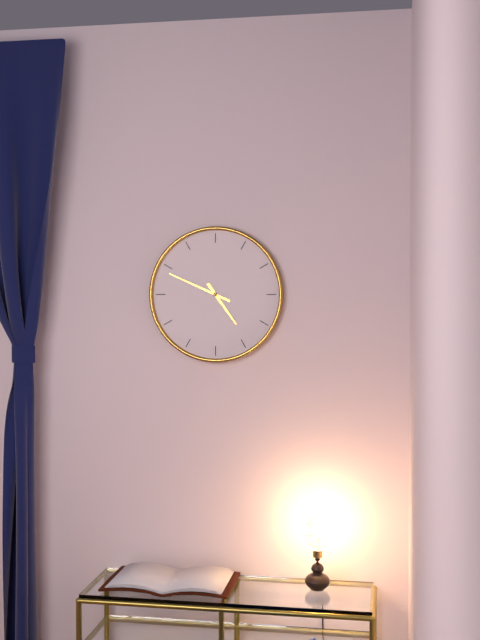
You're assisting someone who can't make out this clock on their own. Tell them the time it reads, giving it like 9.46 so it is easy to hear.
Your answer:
4.49
